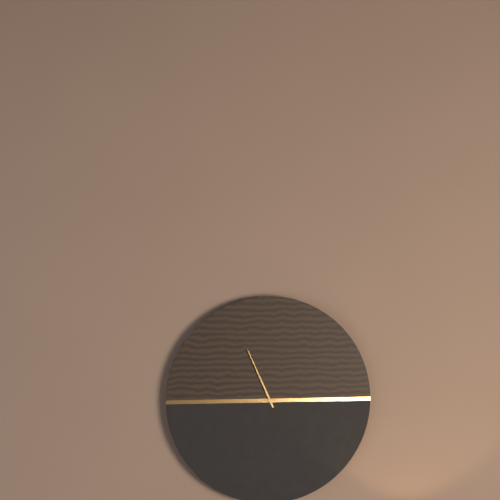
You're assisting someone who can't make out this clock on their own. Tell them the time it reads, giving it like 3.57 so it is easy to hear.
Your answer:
2.56
